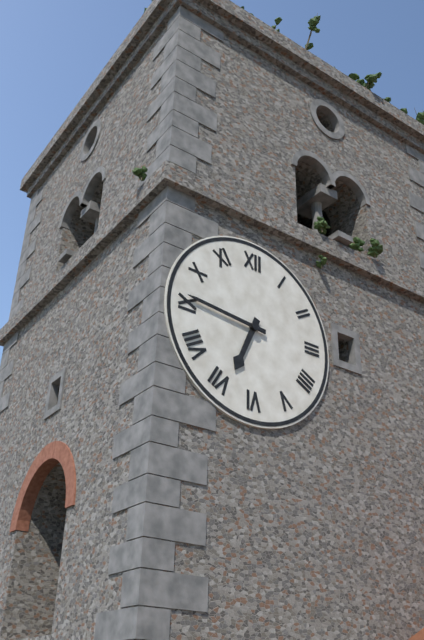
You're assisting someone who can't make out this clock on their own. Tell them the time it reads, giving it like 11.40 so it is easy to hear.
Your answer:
6.46
